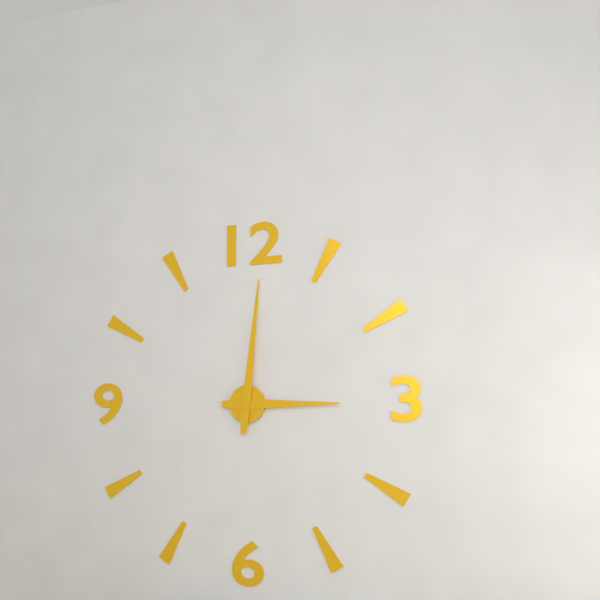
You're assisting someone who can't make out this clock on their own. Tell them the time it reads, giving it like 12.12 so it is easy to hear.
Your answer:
3.01
